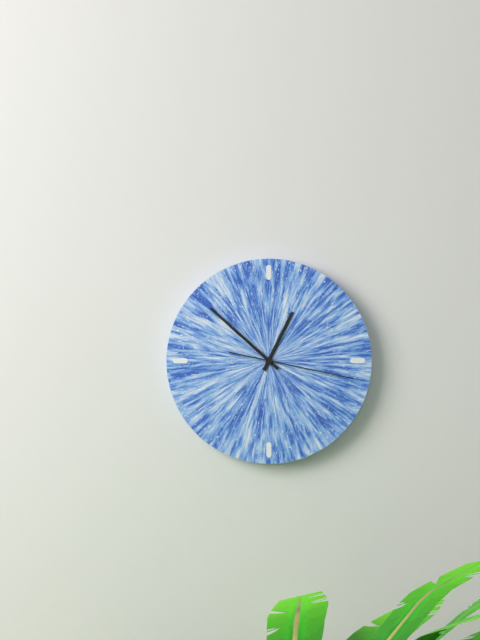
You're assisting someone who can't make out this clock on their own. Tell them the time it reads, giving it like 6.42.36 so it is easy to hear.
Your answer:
12.52.17
